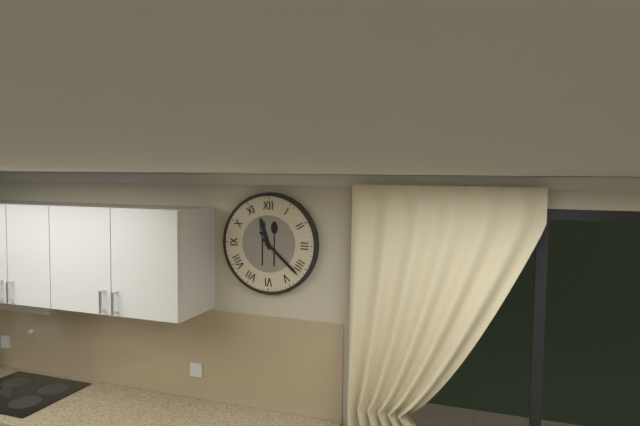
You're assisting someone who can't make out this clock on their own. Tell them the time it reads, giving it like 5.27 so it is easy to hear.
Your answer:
11.22
